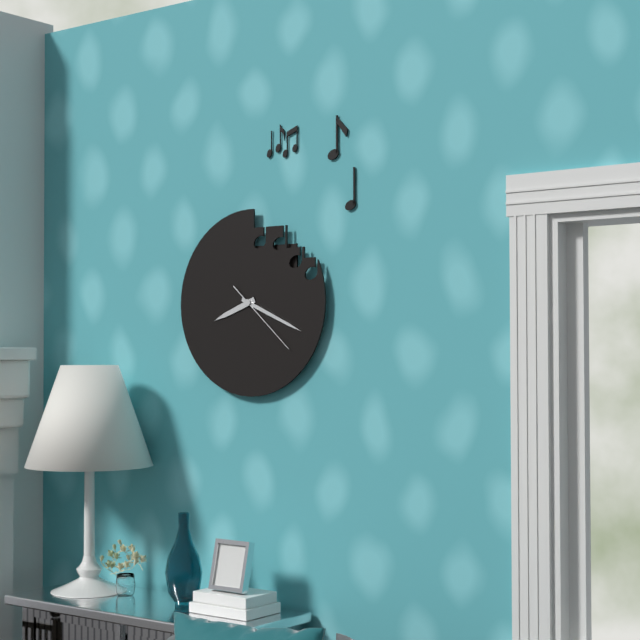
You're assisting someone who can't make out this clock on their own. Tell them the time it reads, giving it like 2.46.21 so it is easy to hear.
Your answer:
8.19.22
